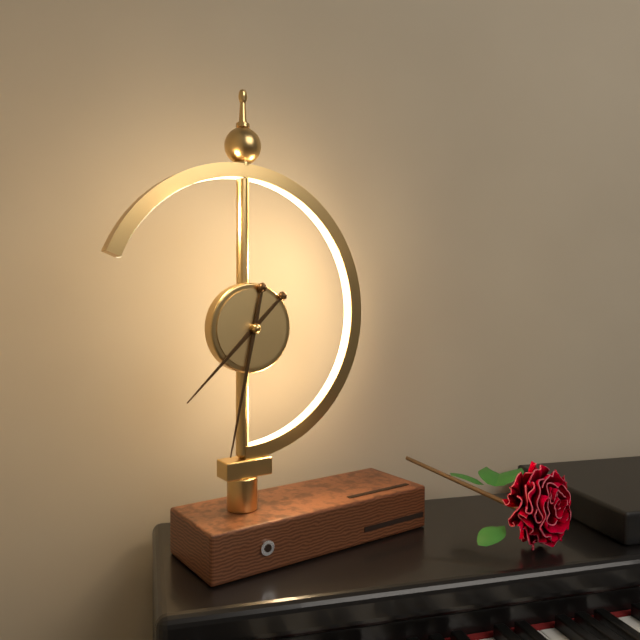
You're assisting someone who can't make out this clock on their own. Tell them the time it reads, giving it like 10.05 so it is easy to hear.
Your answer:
7.32
